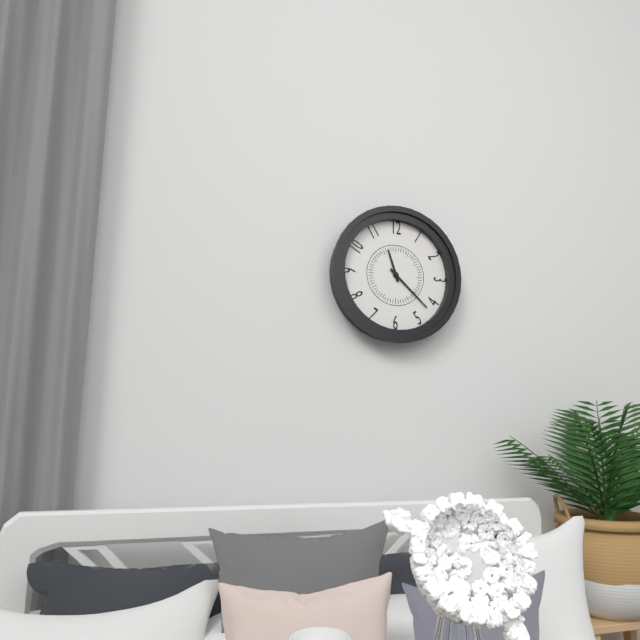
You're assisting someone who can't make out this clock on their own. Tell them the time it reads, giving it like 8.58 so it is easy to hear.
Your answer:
11.22
